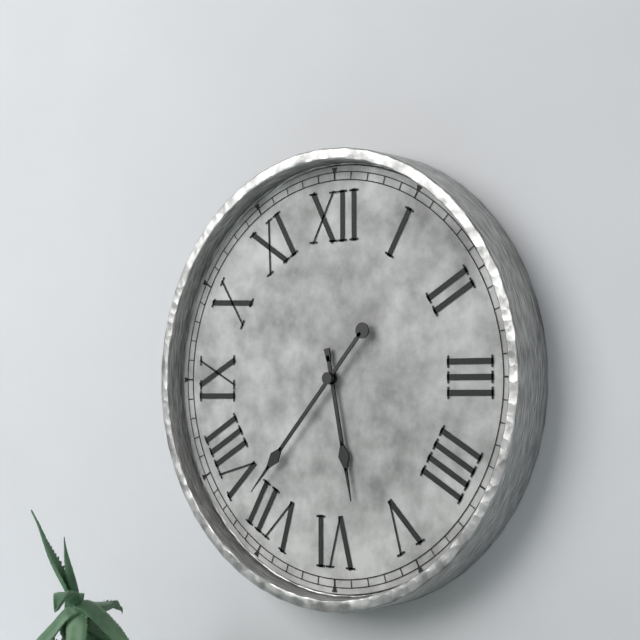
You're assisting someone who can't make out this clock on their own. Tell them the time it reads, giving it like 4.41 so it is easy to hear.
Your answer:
5.37
